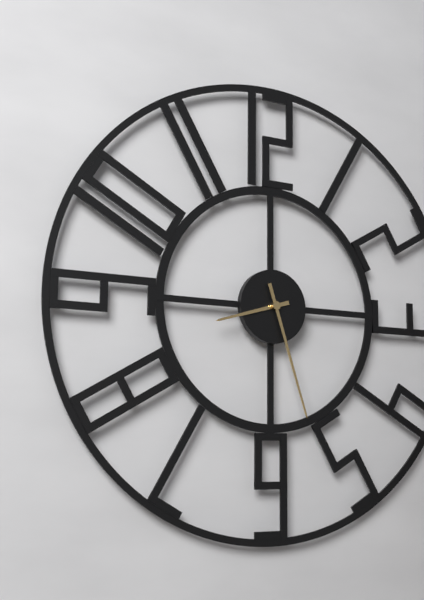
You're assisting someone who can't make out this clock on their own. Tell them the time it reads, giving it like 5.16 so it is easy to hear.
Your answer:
8.27
